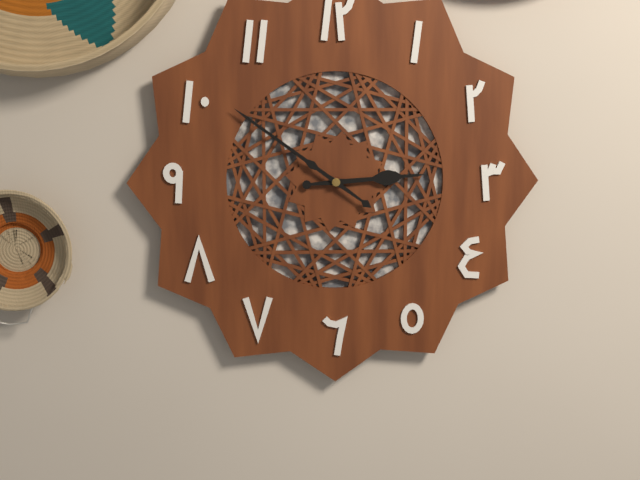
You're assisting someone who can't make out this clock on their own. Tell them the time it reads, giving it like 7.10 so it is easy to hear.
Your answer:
2.51
